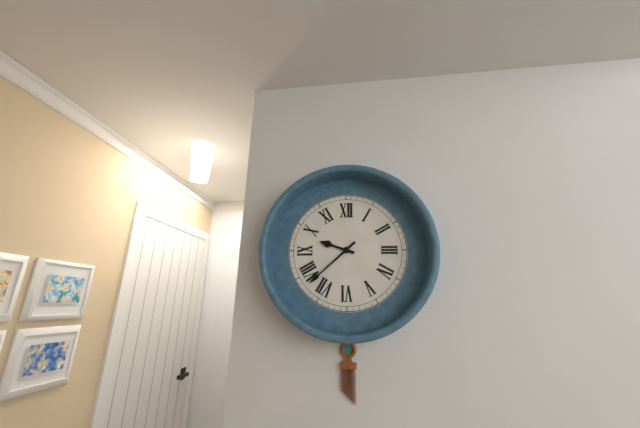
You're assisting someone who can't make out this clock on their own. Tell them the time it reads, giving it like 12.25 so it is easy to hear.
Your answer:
9.38
